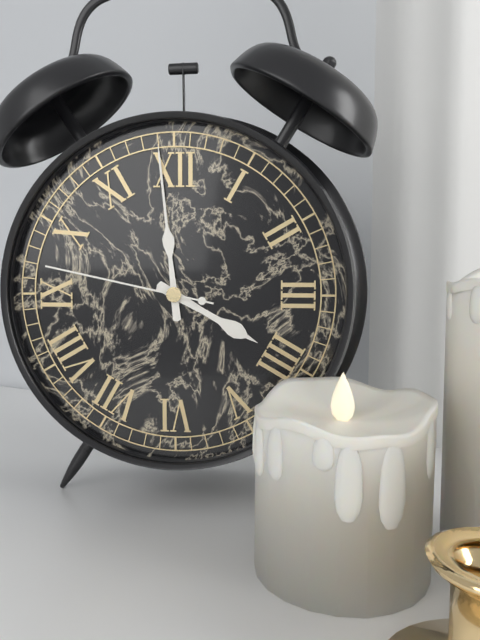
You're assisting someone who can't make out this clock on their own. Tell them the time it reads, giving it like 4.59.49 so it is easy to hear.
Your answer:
3.59.47
